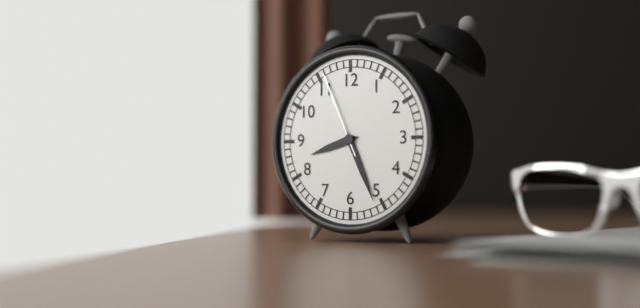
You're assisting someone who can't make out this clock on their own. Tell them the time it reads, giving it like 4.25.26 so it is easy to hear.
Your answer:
8.26.56
